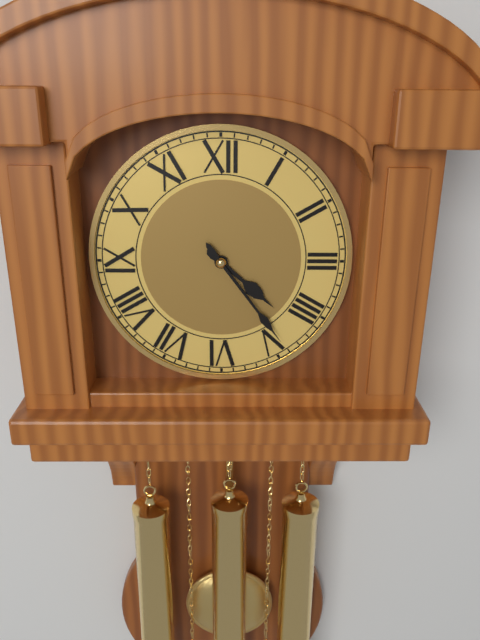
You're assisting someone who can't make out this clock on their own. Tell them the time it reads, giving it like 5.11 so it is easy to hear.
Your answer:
4.24
